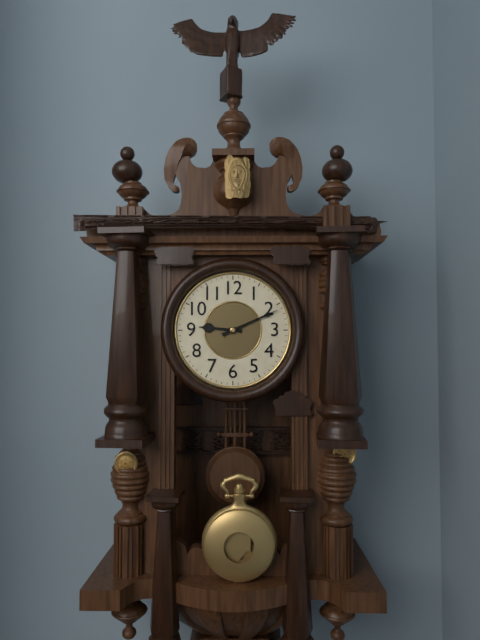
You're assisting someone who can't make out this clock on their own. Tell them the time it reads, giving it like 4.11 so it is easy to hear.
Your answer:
9.11
